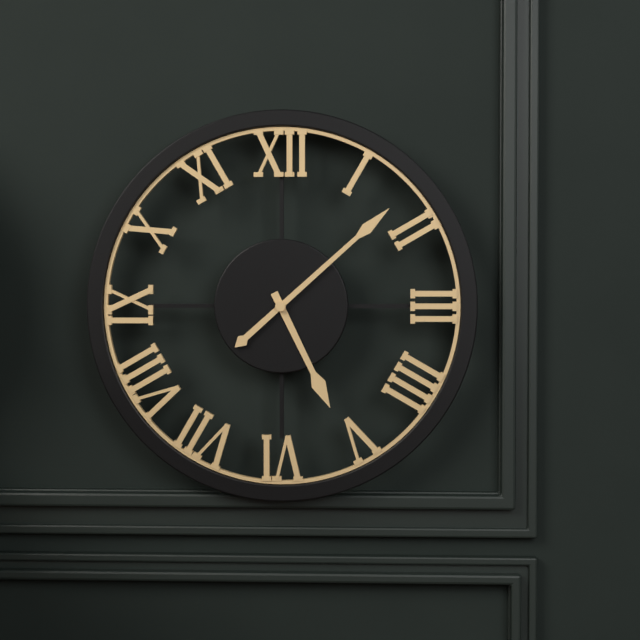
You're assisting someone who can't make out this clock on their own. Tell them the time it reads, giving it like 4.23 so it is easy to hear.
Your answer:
5.08
